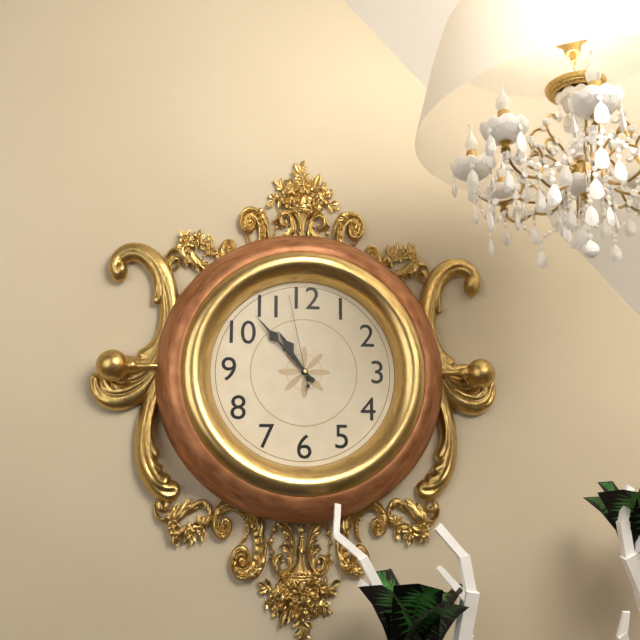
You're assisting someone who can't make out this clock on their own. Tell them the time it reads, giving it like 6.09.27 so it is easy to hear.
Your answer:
10.53.58
